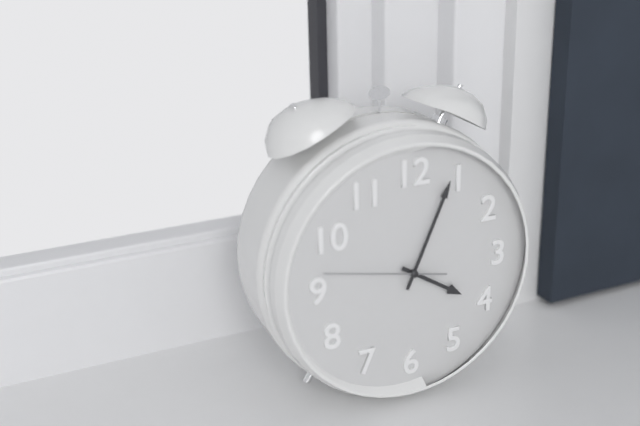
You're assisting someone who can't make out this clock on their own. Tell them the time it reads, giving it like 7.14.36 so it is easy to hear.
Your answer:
4.04.47
